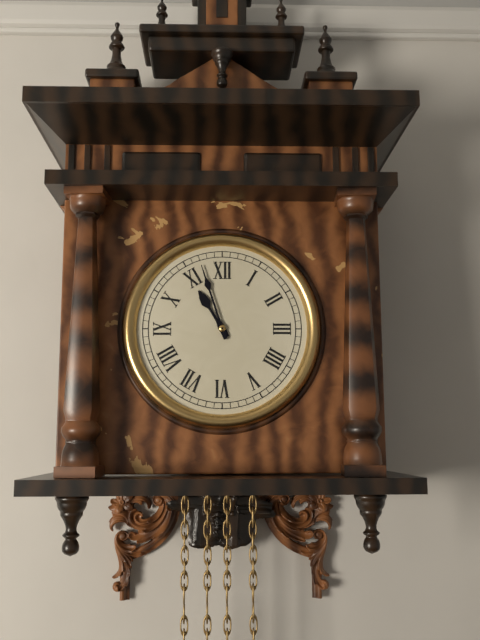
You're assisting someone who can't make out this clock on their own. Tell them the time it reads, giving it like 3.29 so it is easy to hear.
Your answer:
10.57
